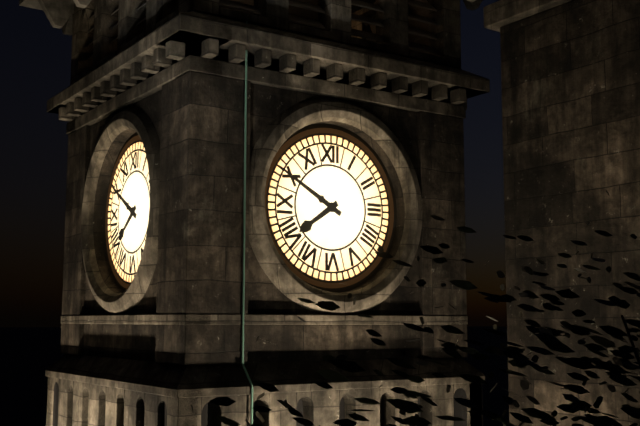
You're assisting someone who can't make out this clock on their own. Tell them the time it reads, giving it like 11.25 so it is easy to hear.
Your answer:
7.50
